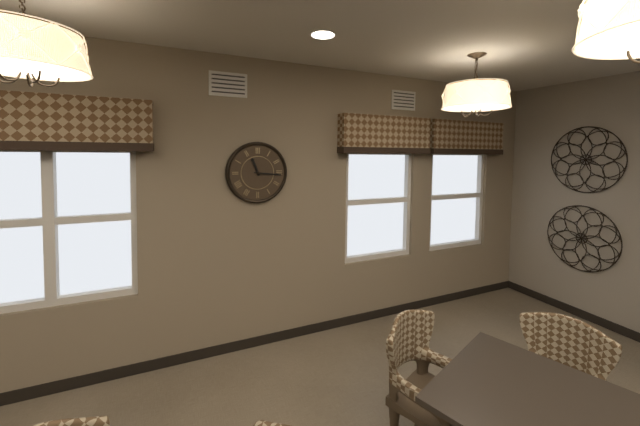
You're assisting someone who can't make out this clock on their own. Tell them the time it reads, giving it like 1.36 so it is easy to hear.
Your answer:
11.16
